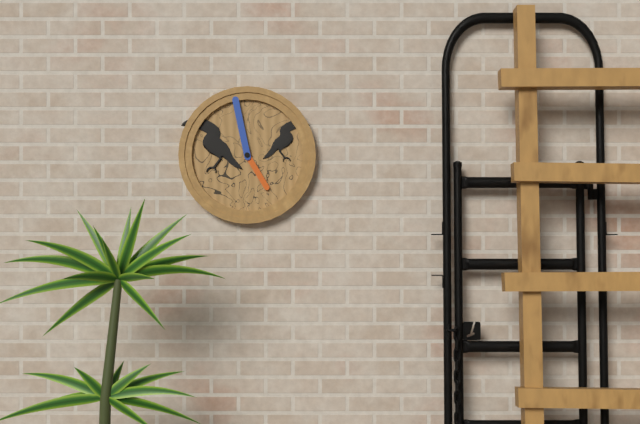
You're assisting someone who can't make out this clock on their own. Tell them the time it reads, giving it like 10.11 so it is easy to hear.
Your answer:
4.58
